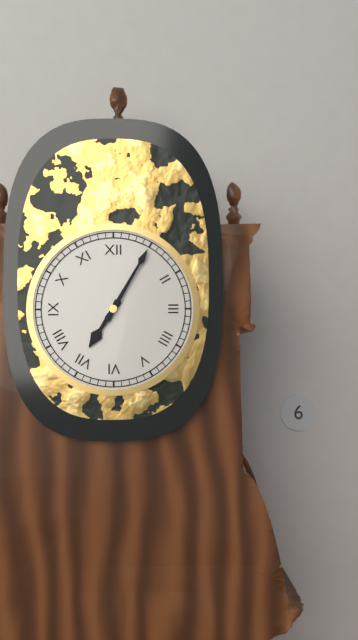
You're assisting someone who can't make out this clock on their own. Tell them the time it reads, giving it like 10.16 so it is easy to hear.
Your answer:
7.05
